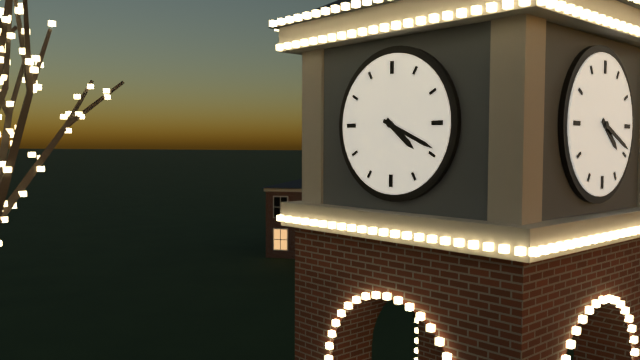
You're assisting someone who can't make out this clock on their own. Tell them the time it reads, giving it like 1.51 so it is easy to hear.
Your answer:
4.19
